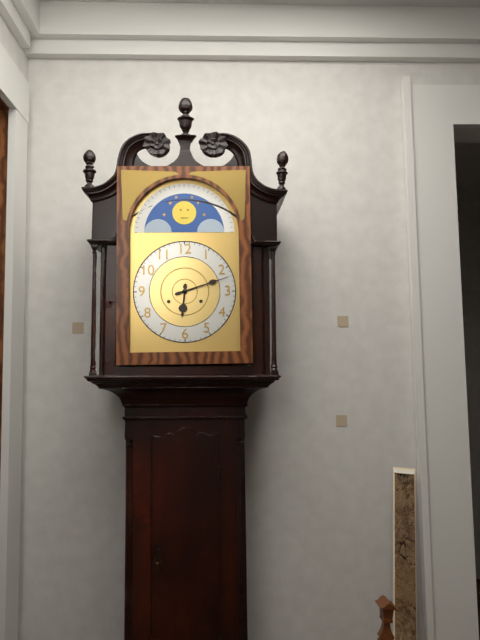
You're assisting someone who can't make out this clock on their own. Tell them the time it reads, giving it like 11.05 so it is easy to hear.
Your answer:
6.12
